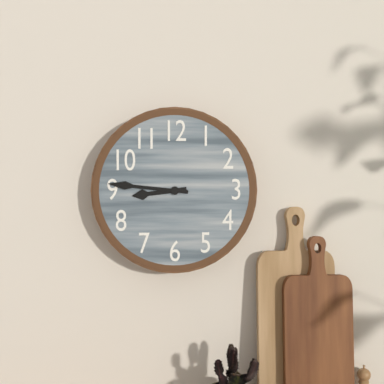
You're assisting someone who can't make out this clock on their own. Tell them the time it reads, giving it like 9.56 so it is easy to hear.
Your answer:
8.46
